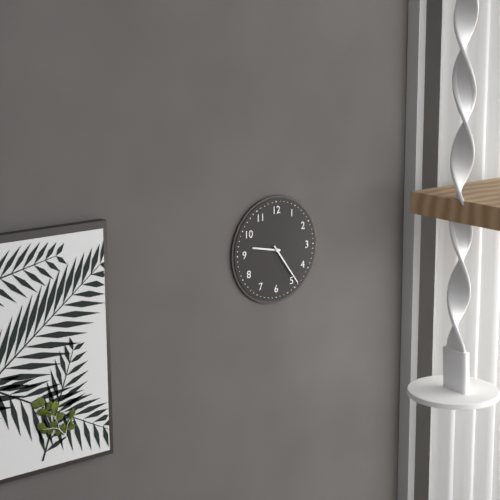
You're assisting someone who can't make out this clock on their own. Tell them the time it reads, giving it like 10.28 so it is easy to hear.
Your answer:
9.24
